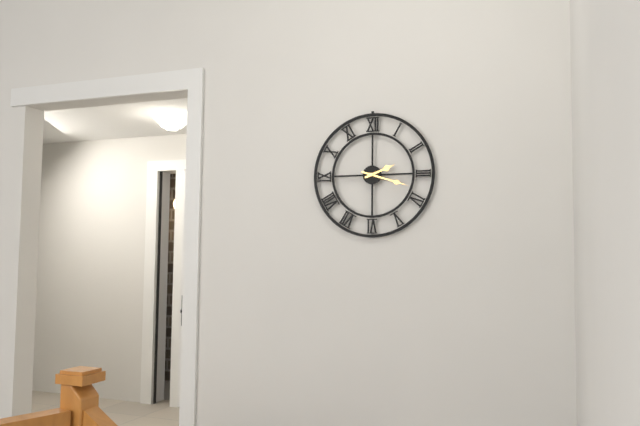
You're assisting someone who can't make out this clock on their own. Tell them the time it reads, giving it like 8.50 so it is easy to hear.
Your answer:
2.18
